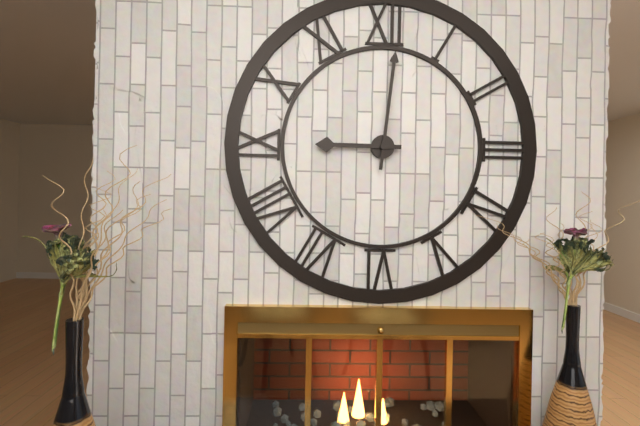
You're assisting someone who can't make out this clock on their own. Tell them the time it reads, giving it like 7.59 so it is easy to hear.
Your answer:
9.01
